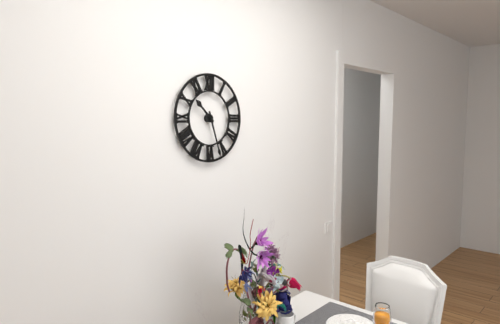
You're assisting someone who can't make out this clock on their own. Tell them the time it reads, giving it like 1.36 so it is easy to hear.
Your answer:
10.27
